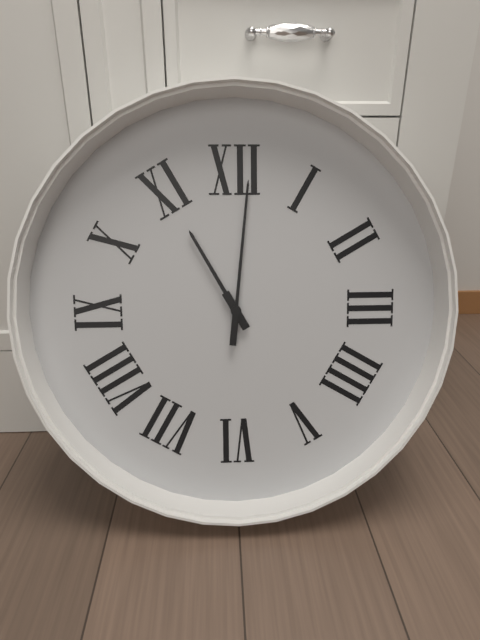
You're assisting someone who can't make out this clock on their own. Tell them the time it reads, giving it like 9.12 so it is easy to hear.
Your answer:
11.01
